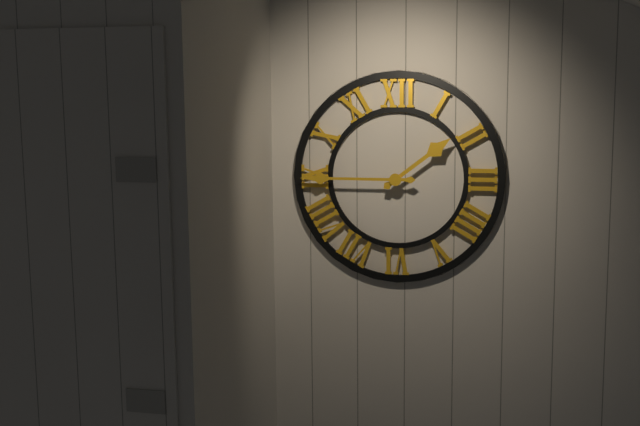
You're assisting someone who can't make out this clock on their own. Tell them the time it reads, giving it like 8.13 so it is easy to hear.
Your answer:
1.45
